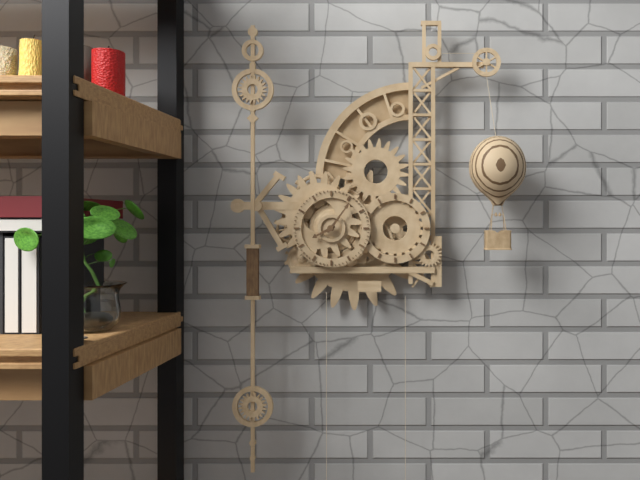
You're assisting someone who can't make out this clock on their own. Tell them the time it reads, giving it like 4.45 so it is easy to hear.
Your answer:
8.06
